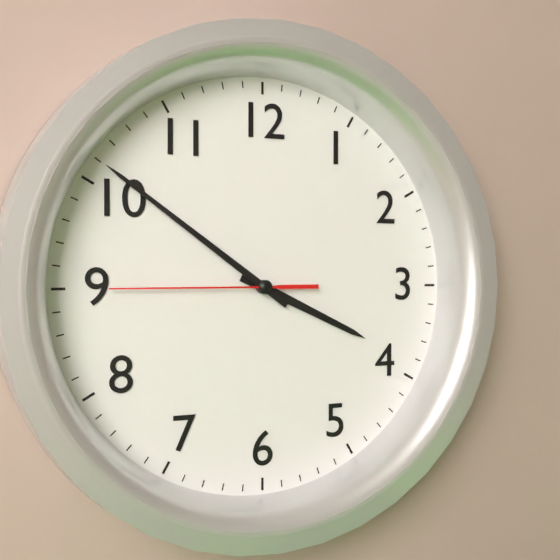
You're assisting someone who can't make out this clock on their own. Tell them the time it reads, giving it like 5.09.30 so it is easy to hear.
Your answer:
3.51.45
